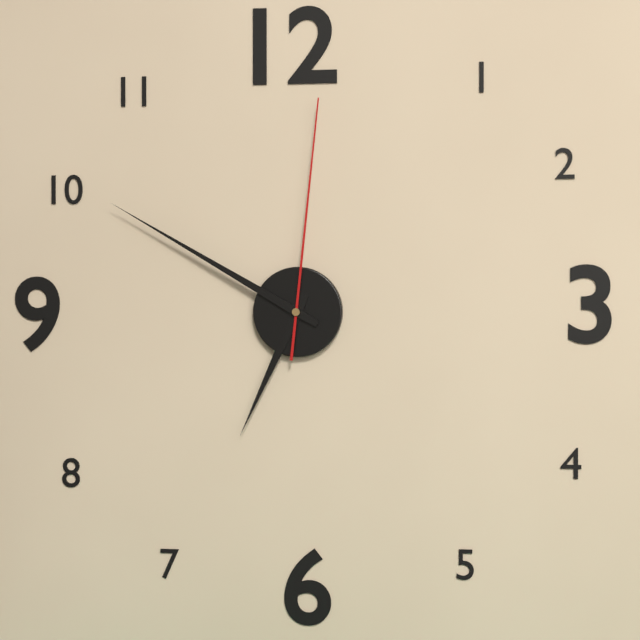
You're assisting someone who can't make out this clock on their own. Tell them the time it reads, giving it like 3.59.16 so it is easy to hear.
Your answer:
6.50.01
